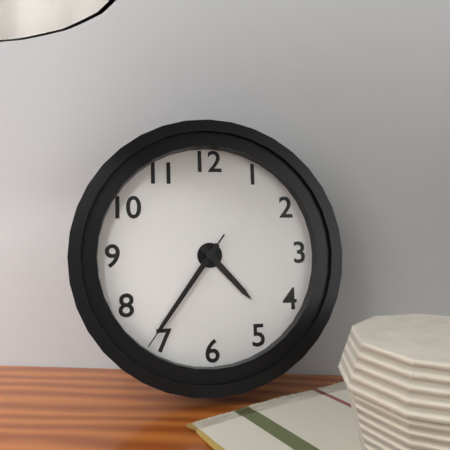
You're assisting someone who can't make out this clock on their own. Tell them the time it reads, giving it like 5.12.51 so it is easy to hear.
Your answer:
4.36.36
